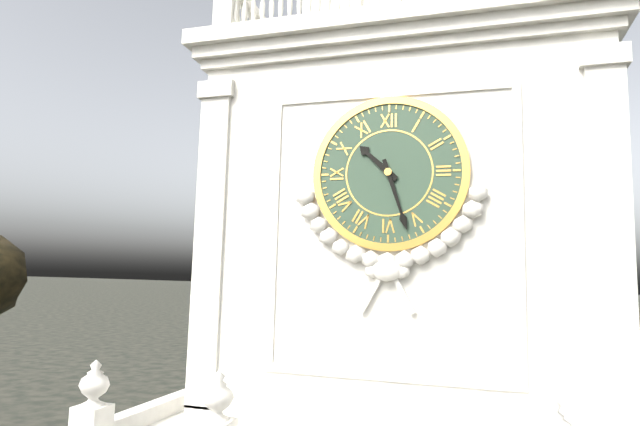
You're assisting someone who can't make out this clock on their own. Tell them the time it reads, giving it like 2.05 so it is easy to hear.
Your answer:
10.27
